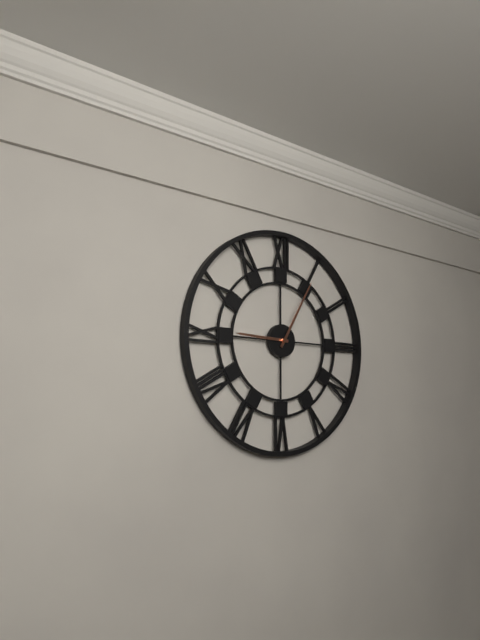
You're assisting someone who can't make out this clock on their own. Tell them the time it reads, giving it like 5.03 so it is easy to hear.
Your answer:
9.05
